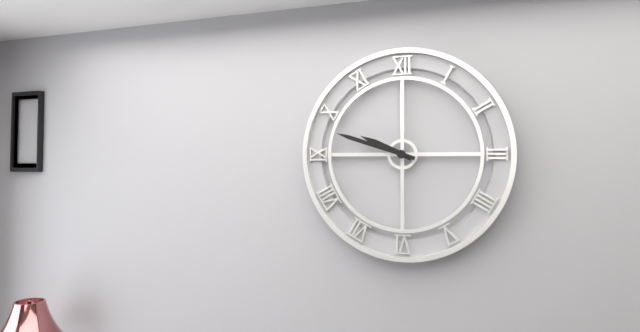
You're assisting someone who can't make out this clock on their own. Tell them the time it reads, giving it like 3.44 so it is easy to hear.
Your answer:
9.48
